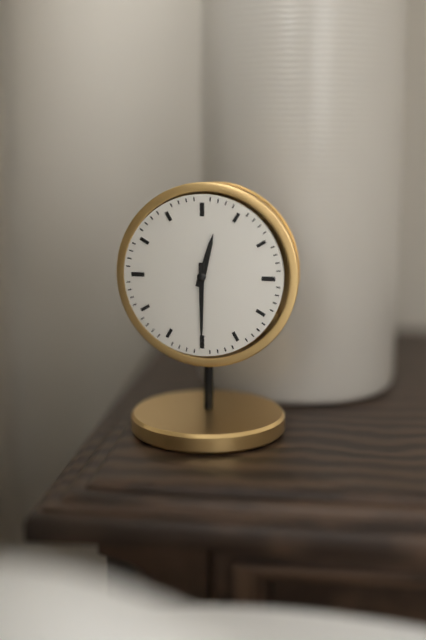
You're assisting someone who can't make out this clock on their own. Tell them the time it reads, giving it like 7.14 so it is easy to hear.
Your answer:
12.30
